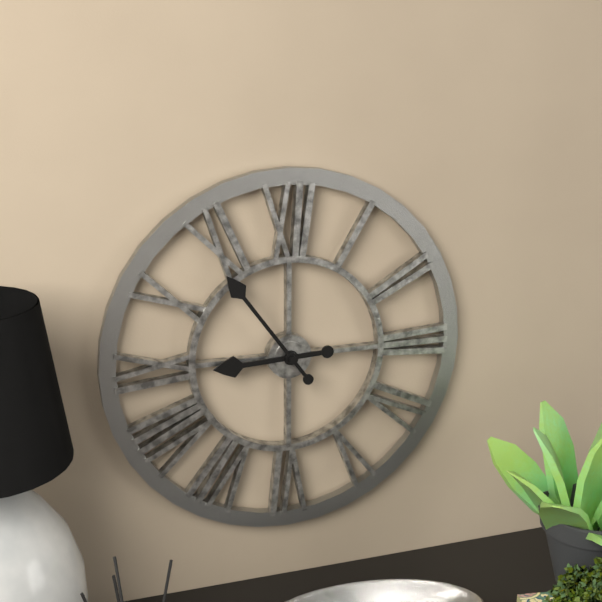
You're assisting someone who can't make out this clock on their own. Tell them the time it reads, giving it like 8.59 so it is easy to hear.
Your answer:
8.54
